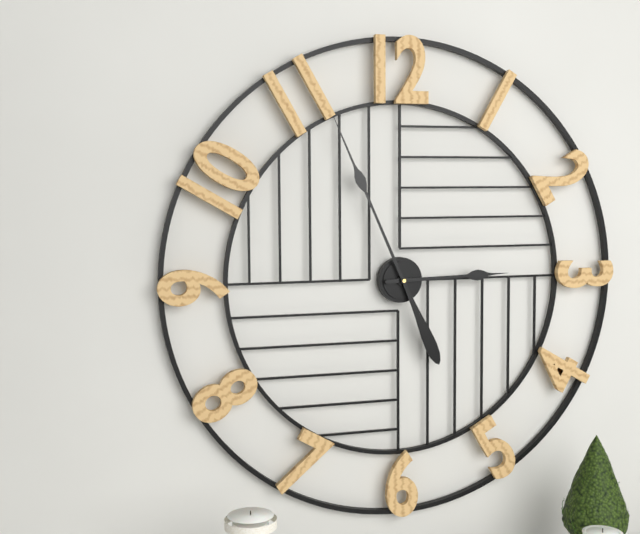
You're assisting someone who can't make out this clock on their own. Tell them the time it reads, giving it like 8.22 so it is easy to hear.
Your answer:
2.56
